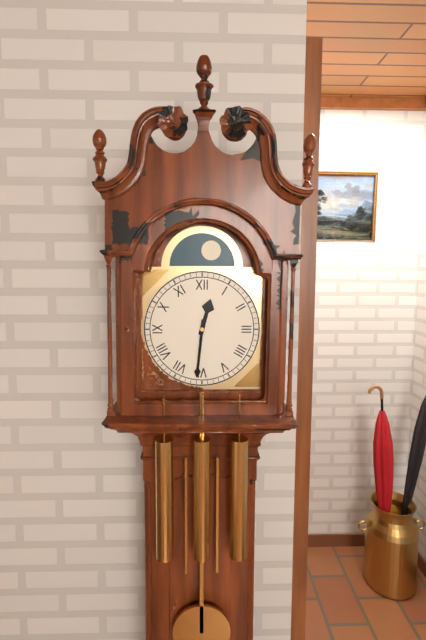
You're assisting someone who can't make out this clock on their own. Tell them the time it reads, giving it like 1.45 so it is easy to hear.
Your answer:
12.31
